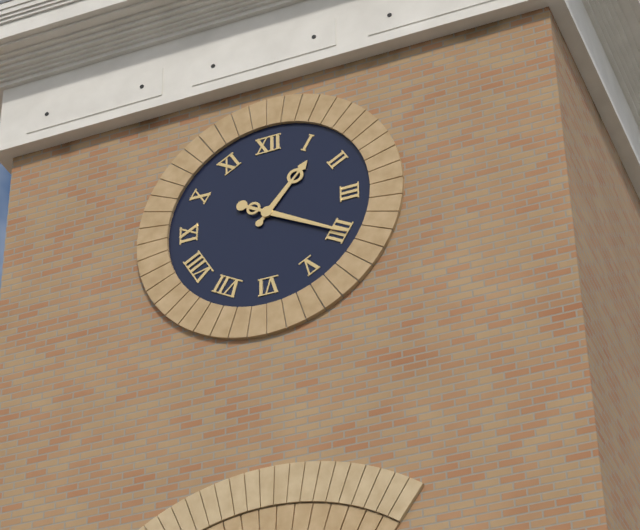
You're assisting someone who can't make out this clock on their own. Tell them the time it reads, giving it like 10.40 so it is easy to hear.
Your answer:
1.20
